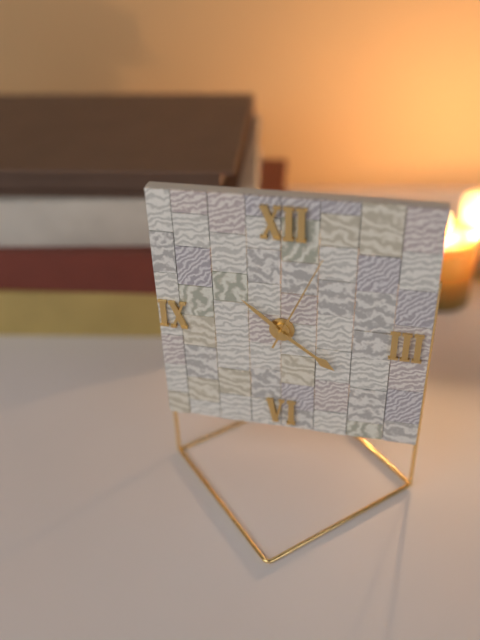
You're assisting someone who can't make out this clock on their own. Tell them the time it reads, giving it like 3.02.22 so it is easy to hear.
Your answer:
10.21.04
